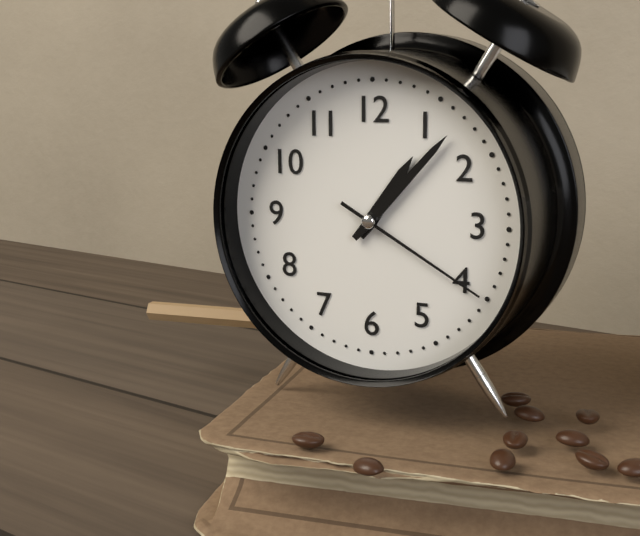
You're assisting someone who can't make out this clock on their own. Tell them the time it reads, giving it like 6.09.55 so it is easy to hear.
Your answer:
1.07.20
